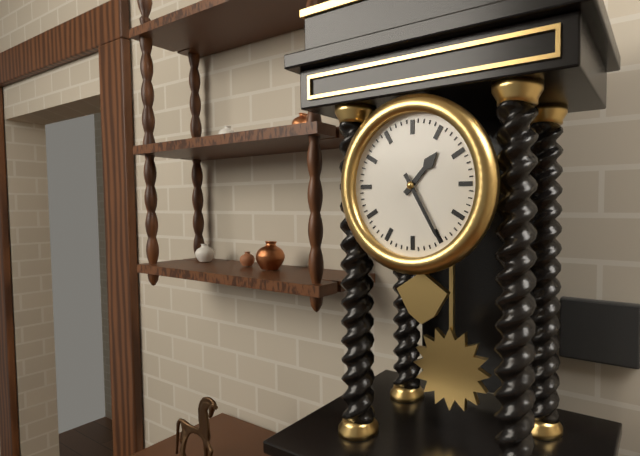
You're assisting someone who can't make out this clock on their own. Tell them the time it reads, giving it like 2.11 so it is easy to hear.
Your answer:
1.25
